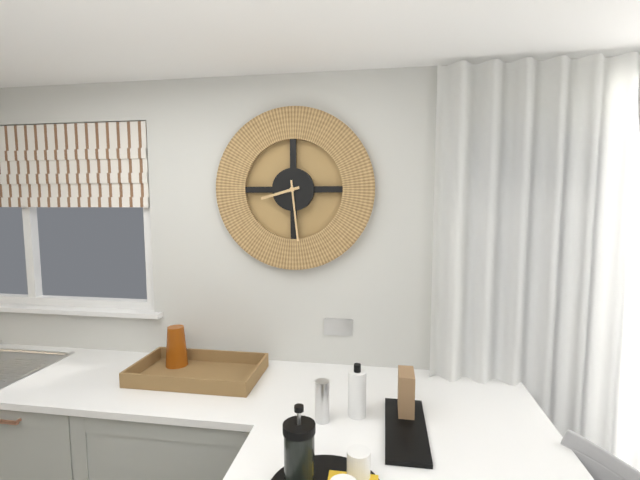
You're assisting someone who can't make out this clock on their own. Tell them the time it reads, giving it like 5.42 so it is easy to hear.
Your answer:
8.29
